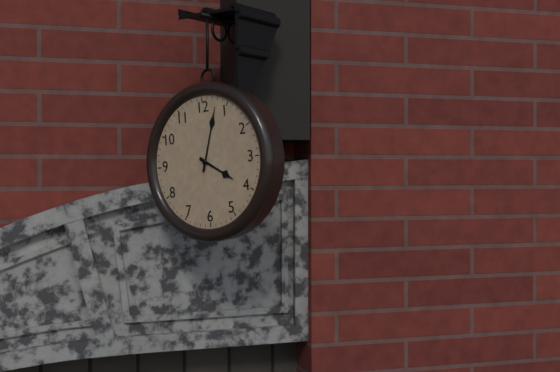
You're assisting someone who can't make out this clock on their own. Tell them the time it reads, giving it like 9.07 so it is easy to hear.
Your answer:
4.03
